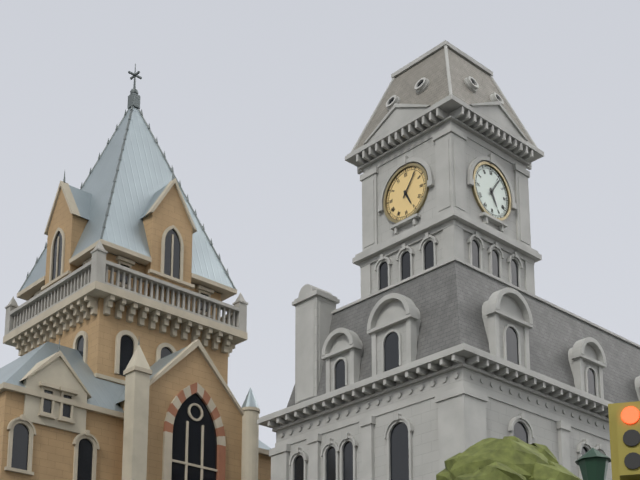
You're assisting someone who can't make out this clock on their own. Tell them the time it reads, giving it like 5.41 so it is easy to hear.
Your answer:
5.06
